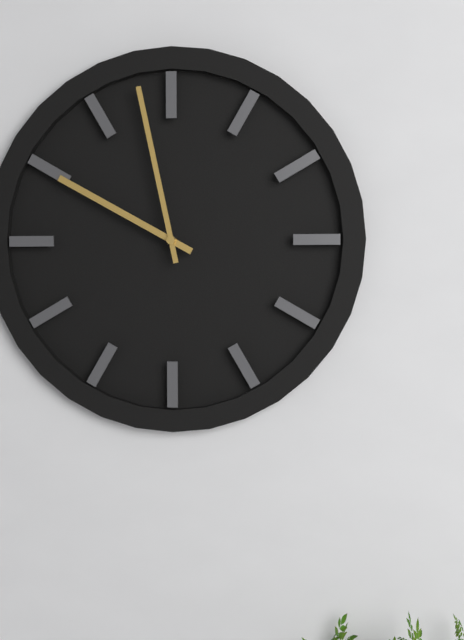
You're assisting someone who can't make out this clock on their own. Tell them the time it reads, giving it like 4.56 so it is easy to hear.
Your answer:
9.58
